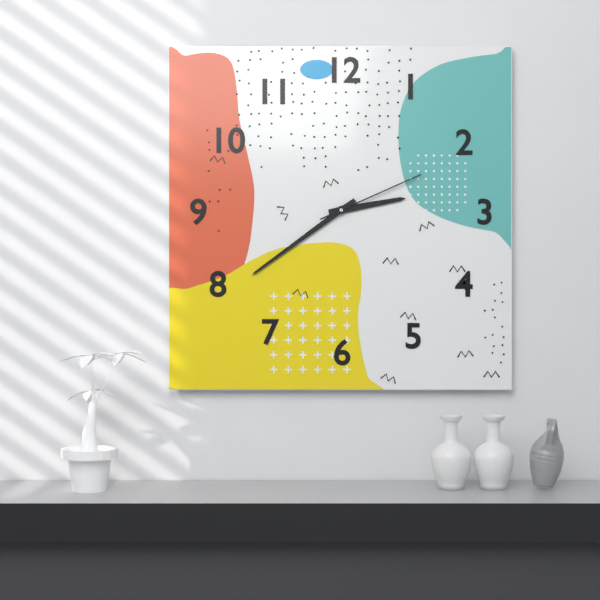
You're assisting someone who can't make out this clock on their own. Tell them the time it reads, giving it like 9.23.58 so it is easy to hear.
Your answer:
2.39.11
